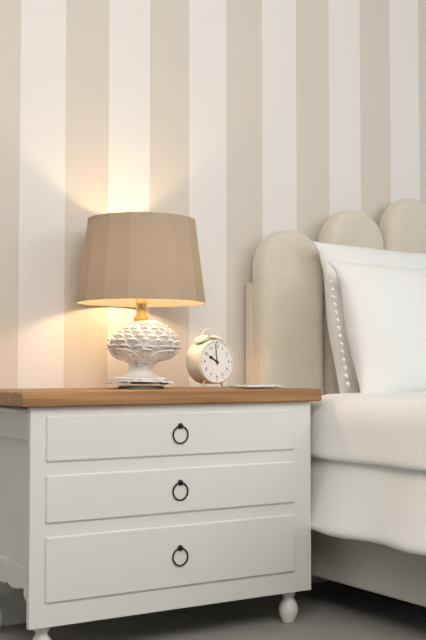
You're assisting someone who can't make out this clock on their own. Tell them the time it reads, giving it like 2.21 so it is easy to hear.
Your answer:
9.59
